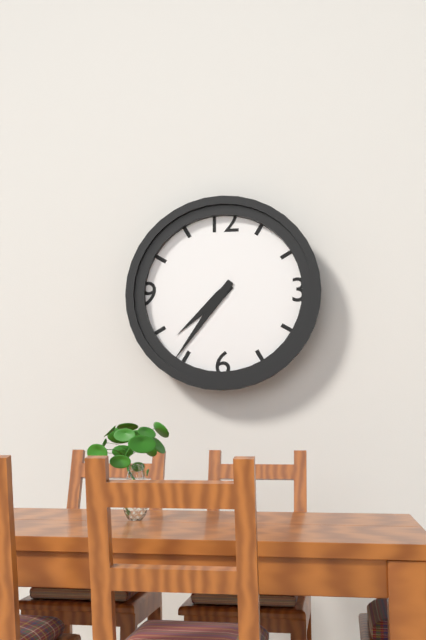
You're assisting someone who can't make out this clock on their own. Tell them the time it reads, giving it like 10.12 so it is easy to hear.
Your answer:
7.36
